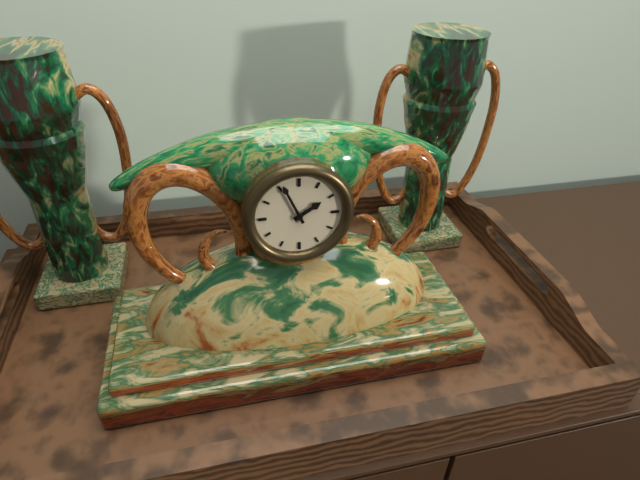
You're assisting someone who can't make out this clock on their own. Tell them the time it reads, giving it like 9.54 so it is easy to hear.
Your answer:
1.56
